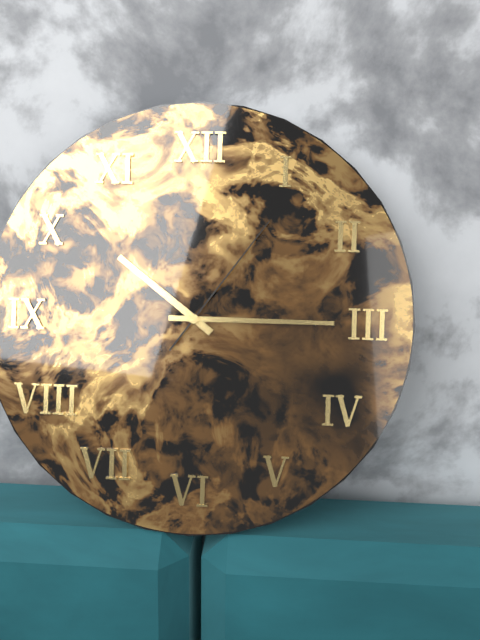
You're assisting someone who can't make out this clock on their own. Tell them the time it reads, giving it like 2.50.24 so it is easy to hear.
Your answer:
10.15.06
